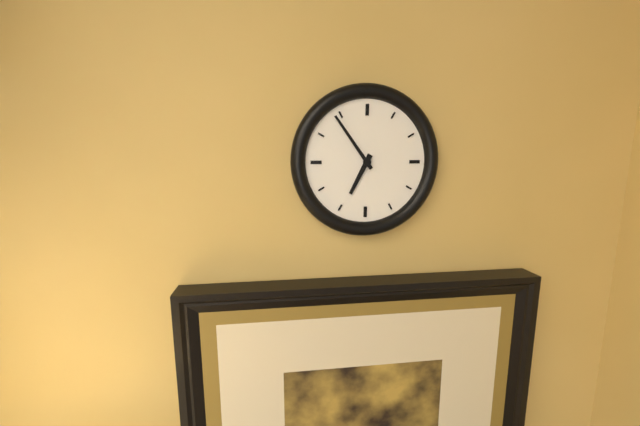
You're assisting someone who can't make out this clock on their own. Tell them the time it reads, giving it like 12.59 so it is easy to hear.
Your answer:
6.54
